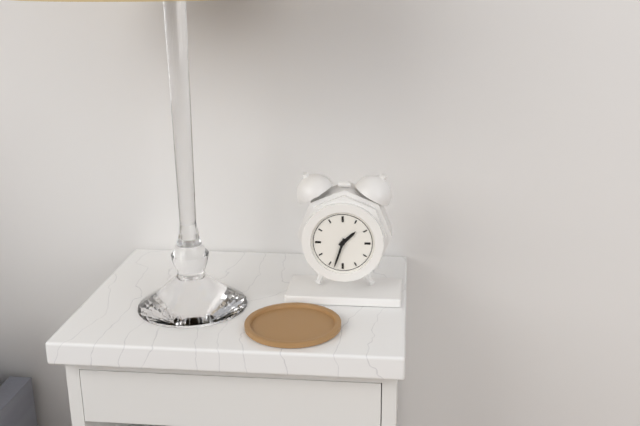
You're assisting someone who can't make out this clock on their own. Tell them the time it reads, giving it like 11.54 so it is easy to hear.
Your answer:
1.33
